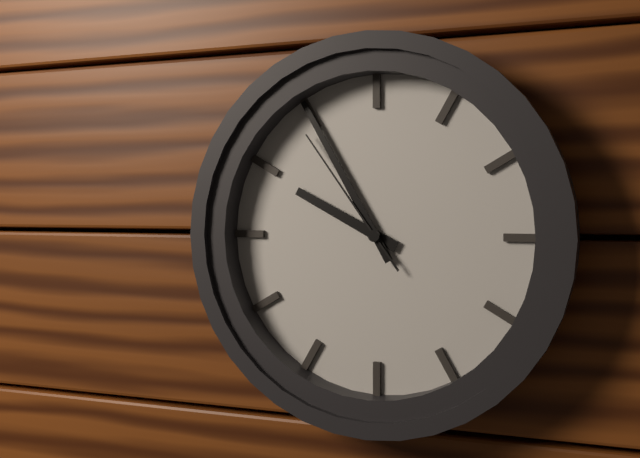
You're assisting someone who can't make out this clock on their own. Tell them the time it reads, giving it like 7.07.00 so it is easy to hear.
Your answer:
9.55.54
